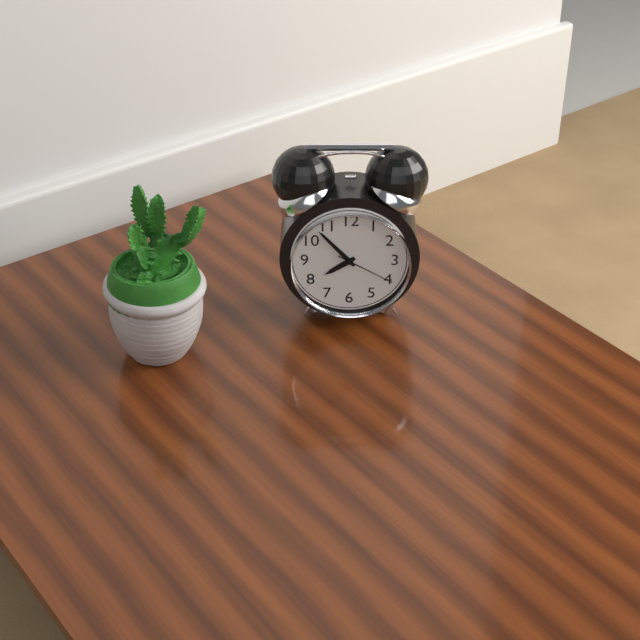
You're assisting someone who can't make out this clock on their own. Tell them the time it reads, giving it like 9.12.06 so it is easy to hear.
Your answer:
7.53.20
